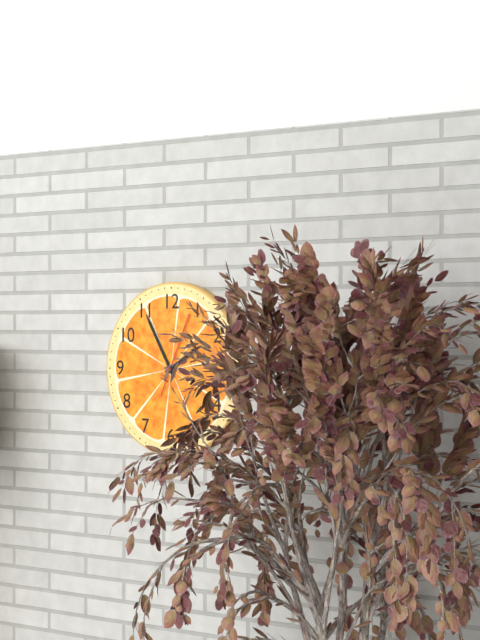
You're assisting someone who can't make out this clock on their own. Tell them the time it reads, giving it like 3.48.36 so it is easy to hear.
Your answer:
1.55.04
